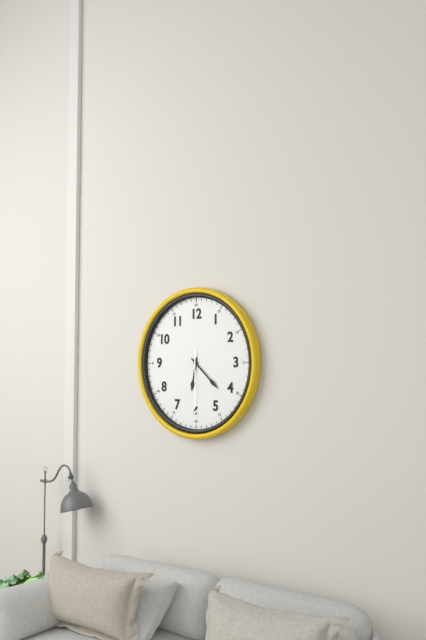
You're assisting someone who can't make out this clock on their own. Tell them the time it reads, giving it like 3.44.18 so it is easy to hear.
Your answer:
6.22.30
